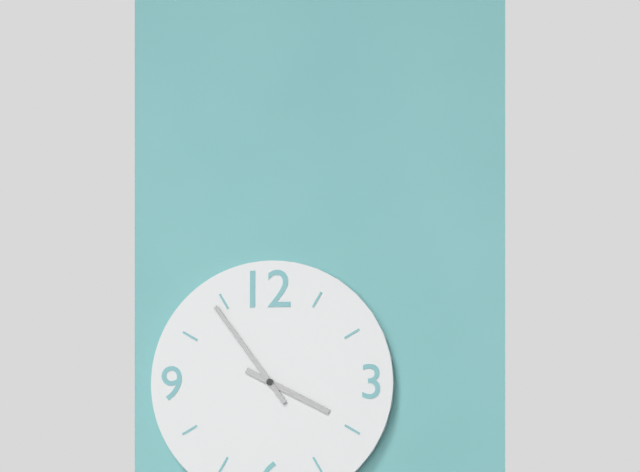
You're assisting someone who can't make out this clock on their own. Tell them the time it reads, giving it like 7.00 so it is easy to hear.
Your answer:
3.54
